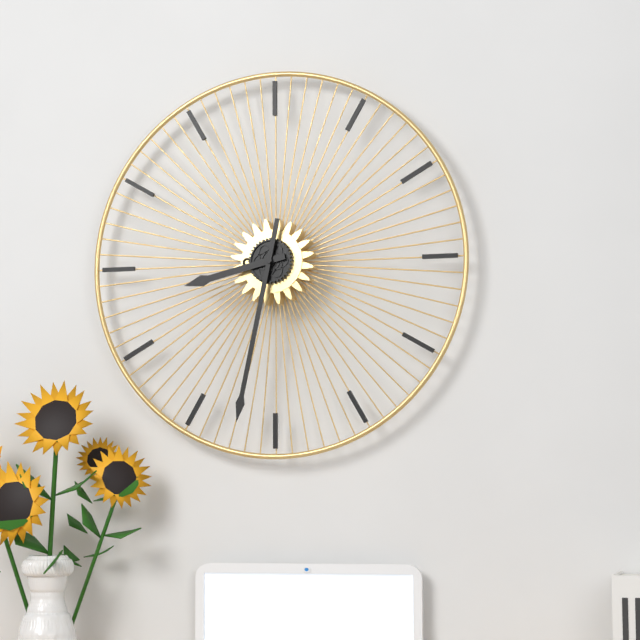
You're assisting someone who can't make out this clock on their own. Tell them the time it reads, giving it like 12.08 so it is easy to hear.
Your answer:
8.32
